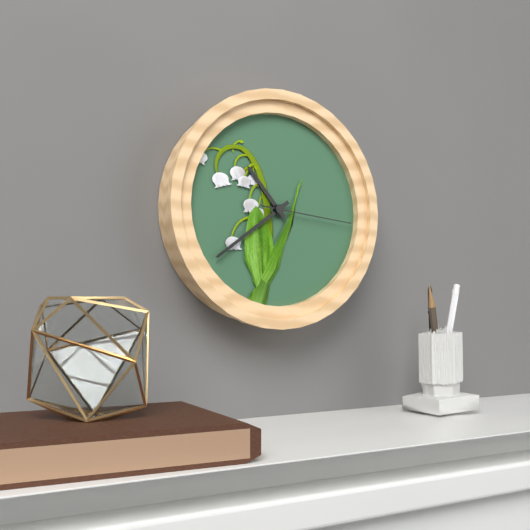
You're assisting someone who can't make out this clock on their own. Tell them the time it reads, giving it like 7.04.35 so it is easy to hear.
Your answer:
10.39.16
